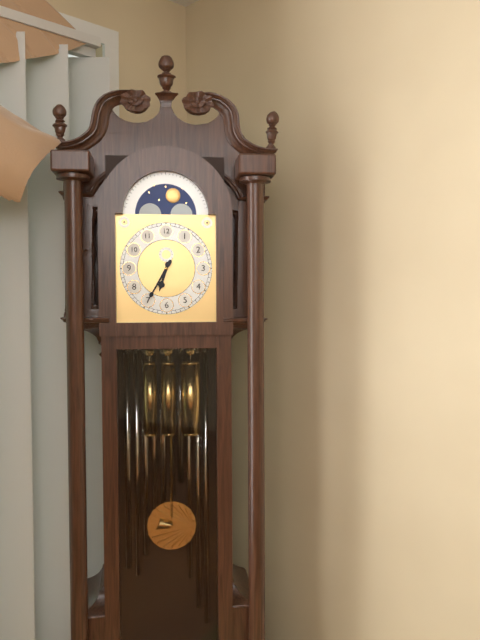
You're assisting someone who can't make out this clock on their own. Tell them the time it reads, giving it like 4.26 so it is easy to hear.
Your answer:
6.35
